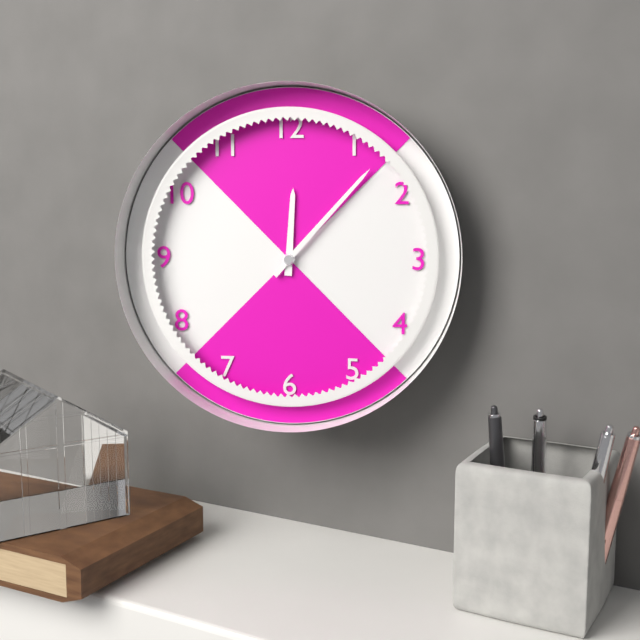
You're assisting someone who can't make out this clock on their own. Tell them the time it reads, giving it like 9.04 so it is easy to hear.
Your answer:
12.07
